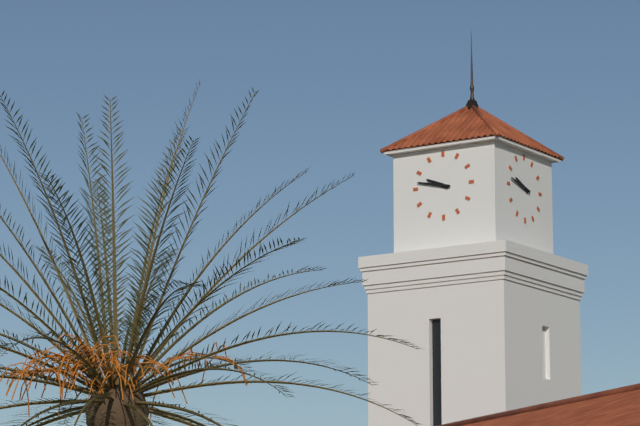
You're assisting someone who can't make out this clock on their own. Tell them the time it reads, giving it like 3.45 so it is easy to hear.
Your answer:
9.47
